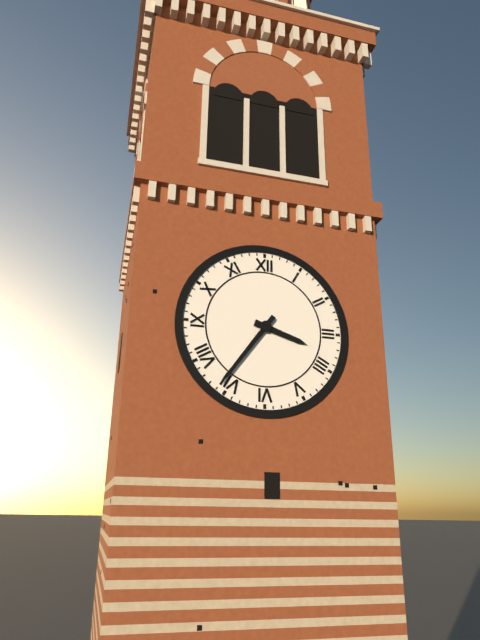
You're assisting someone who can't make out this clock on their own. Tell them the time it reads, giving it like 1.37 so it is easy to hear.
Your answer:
3.36
